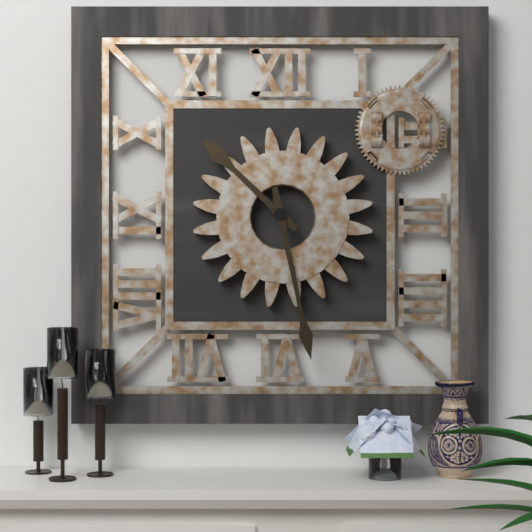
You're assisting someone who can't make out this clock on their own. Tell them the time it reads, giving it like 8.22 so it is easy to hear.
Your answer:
10.28
